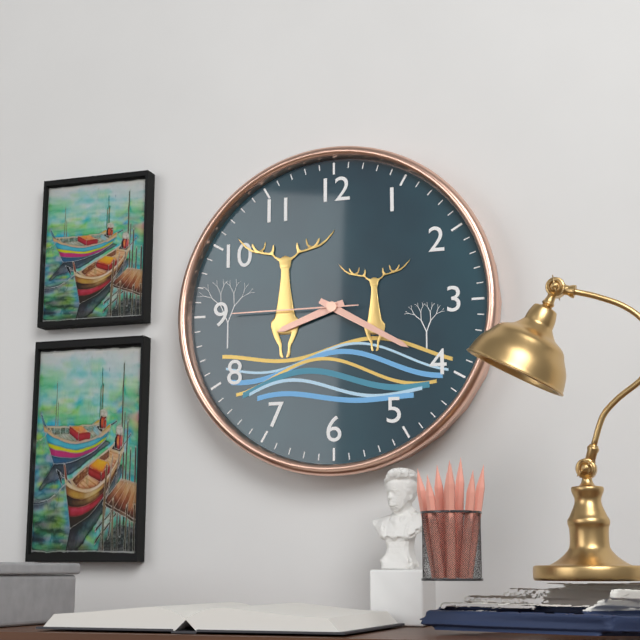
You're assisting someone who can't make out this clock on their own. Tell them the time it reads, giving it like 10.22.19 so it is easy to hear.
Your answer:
8.20.45
